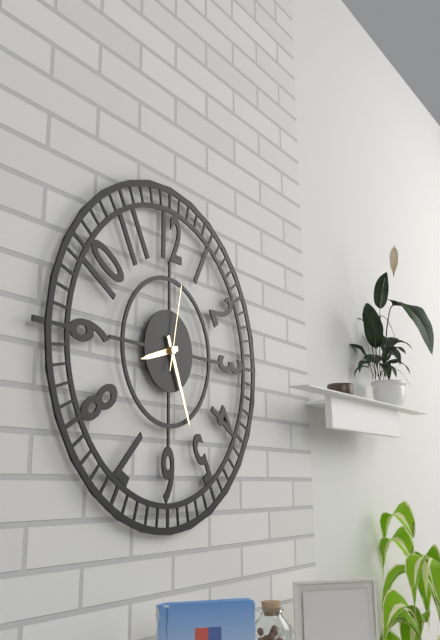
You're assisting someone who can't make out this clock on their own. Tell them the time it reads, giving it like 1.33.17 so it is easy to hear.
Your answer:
8.26.02
